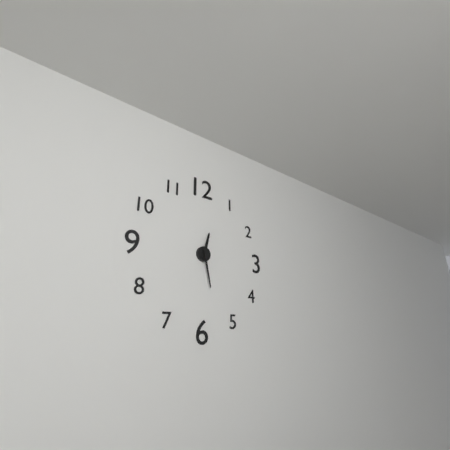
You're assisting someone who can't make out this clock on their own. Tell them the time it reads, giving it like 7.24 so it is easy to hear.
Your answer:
12.28
